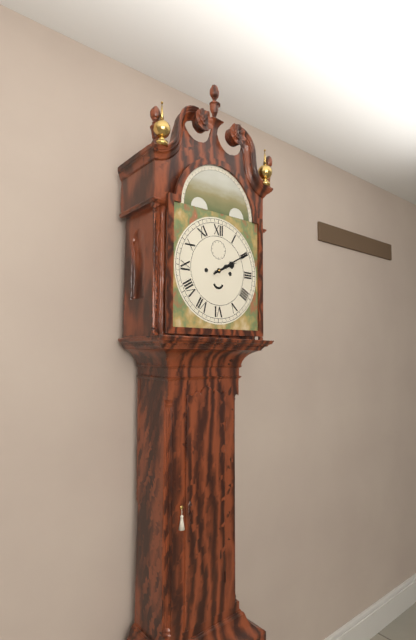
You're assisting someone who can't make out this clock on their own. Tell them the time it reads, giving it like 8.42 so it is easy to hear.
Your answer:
2.10
